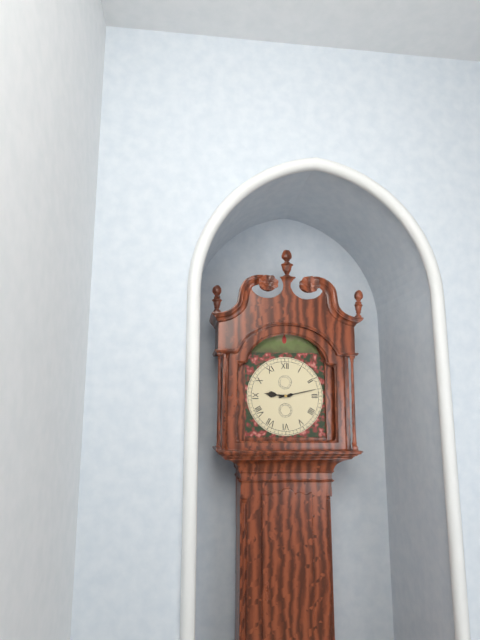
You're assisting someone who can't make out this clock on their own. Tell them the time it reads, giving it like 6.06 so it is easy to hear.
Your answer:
9.13
